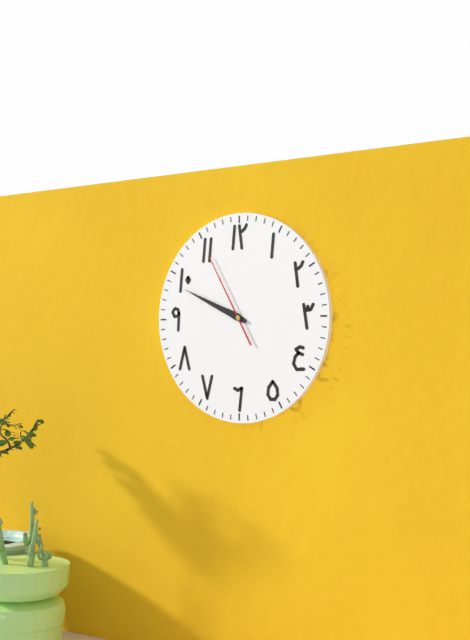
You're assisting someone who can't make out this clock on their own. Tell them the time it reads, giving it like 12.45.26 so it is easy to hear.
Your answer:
9.49.55
